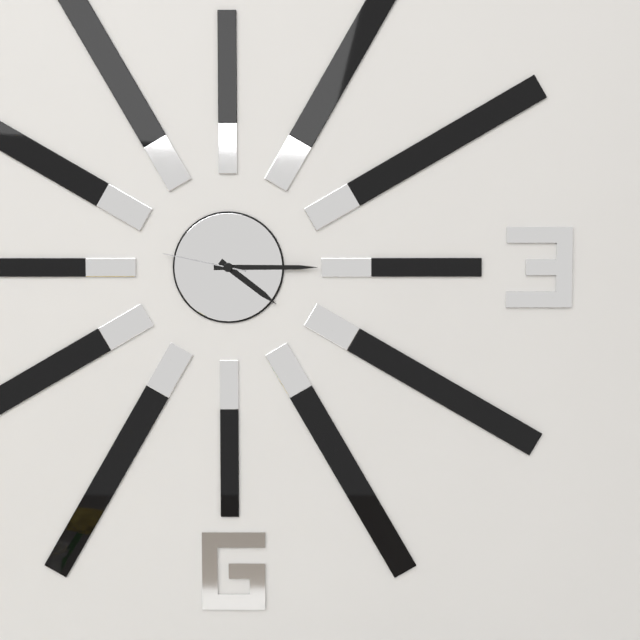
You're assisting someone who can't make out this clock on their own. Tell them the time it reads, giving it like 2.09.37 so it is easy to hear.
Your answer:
4.15.47
